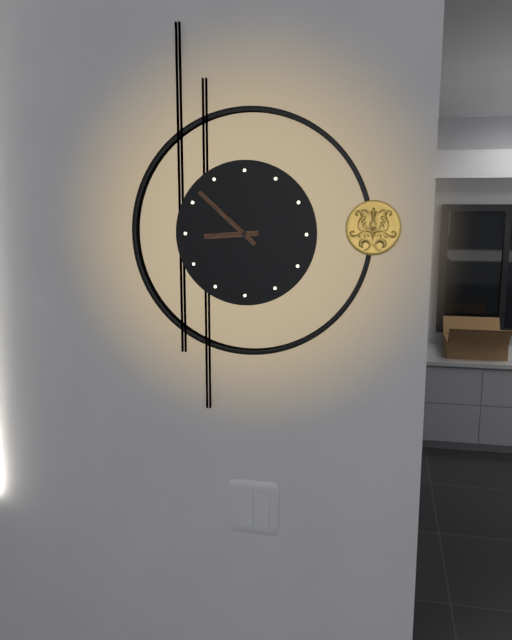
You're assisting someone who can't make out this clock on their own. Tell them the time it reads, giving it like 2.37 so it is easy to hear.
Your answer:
8.52
